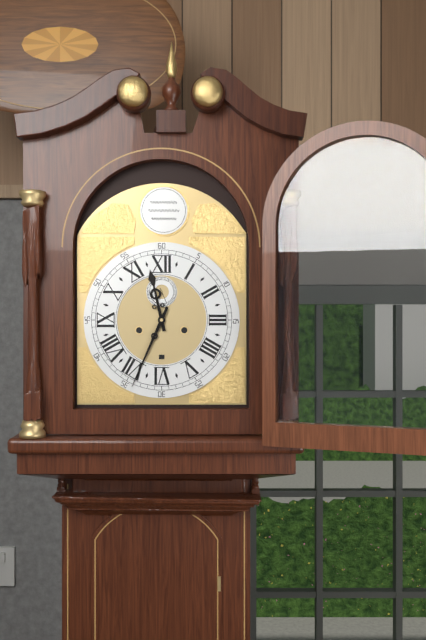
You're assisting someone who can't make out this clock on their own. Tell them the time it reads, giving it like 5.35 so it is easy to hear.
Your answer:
11.34
